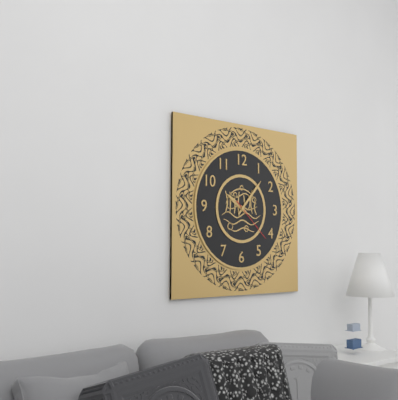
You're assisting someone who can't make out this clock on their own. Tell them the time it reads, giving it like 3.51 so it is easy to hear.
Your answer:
10.07
